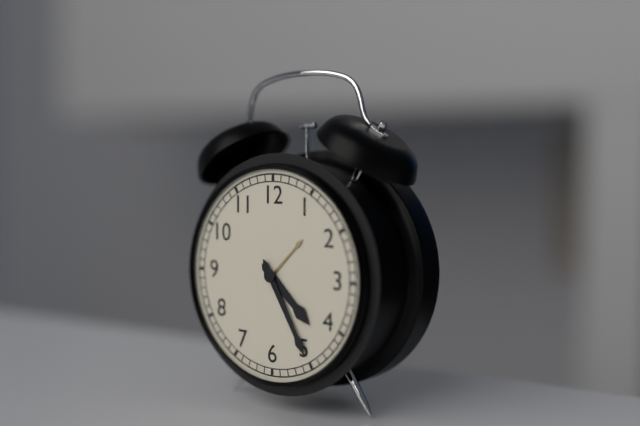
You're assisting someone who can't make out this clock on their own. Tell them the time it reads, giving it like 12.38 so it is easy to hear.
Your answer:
4.25
